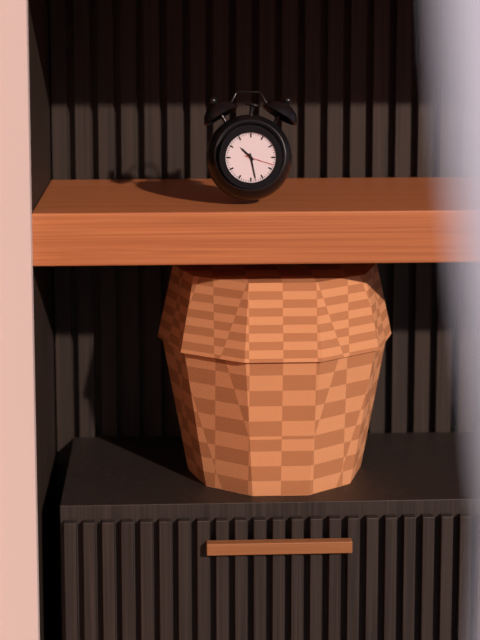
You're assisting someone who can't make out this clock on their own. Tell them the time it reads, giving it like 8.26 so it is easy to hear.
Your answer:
10.28
